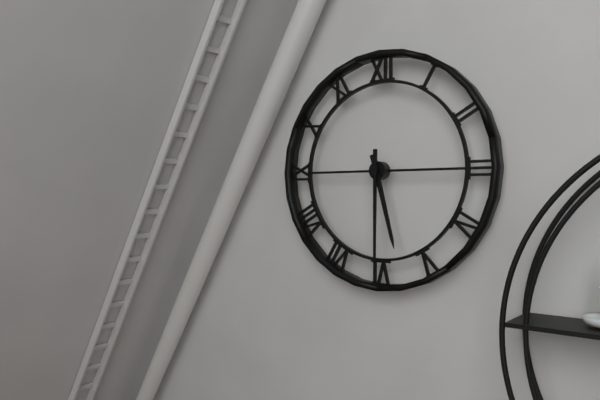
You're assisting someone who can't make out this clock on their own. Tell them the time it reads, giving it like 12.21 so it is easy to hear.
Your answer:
5.30
